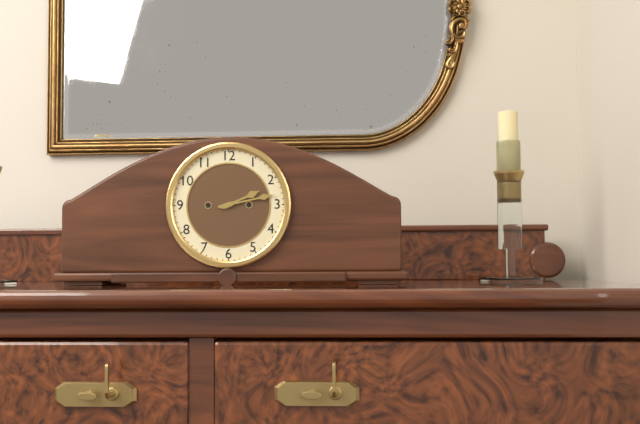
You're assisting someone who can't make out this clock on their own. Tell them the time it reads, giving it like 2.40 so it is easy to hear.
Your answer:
2.13
